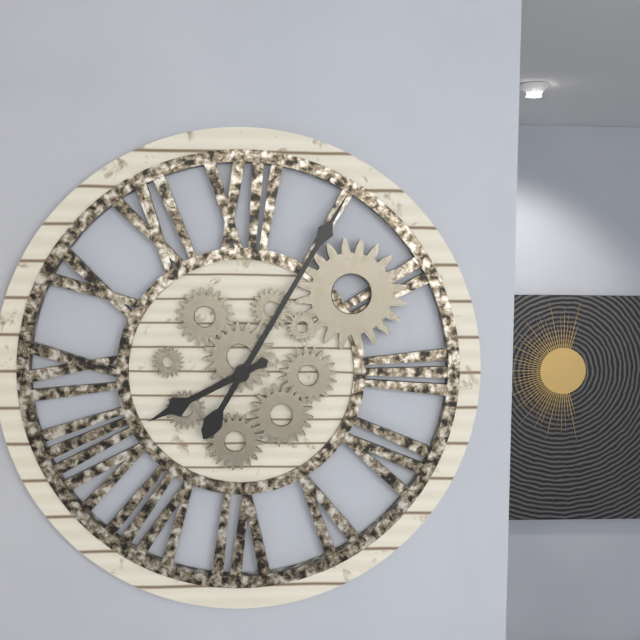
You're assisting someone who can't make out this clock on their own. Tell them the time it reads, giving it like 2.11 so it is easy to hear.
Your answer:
8.05
